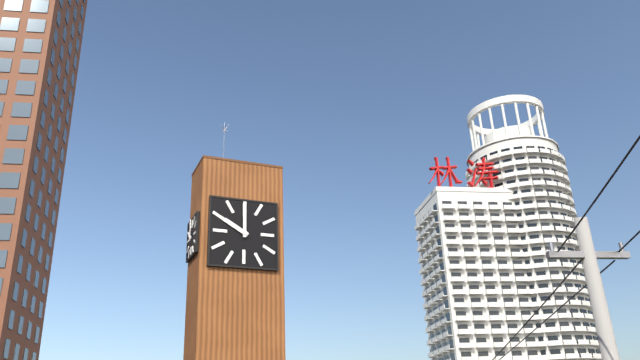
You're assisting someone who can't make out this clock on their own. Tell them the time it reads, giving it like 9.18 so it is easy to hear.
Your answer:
10.00
